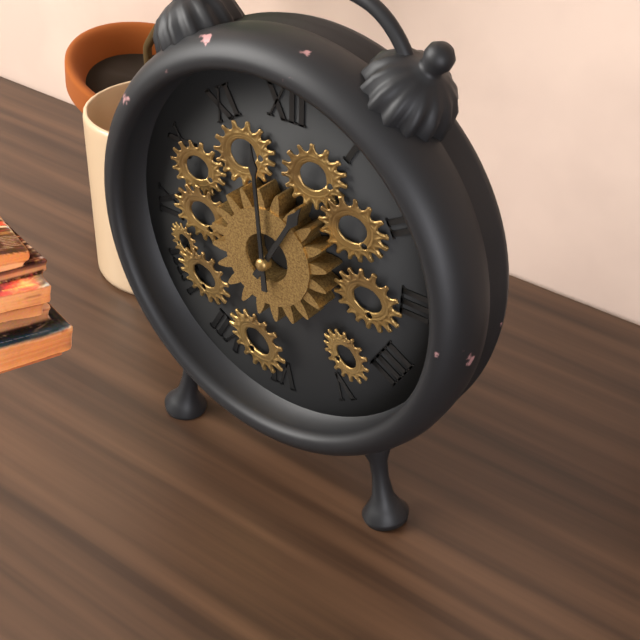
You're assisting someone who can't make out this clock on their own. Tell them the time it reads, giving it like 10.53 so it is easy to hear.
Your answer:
12.59
